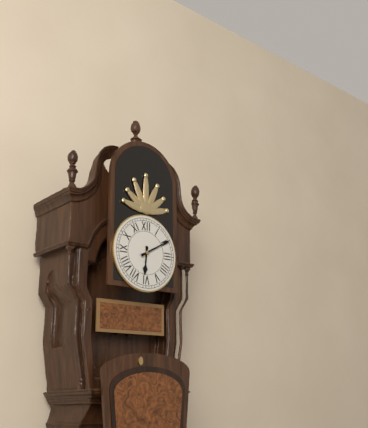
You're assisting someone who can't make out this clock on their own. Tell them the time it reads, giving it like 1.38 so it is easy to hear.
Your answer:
6.10
